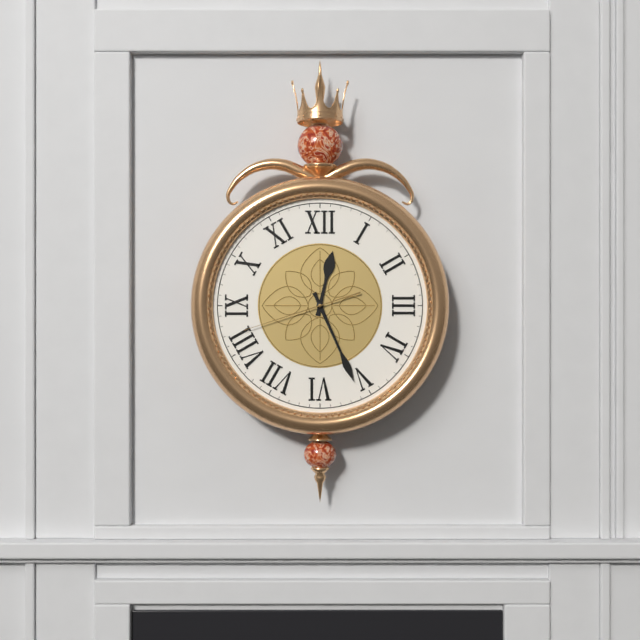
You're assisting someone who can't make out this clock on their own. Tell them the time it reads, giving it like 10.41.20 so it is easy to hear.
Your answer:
12.26.42
